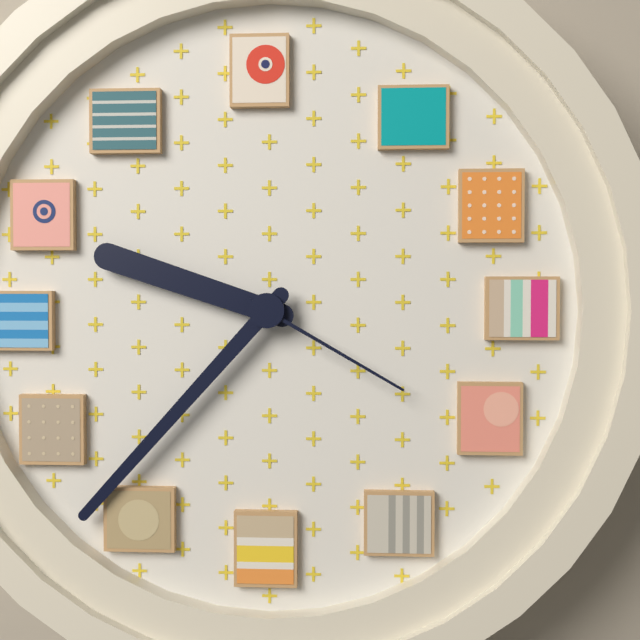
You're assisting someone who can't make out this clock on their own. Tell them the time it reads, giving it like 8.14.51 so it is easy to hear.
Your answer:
9.37.20
